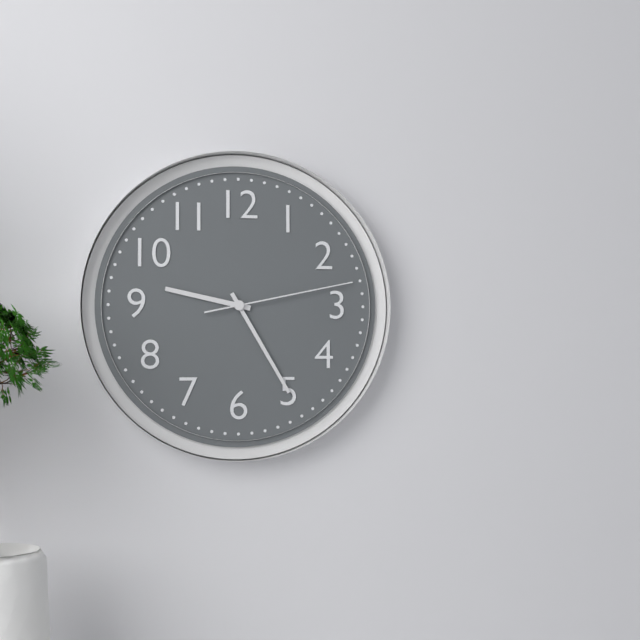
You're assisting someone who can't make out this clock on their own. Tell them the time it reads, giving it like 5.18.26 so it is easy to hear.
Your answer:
9.25.13
